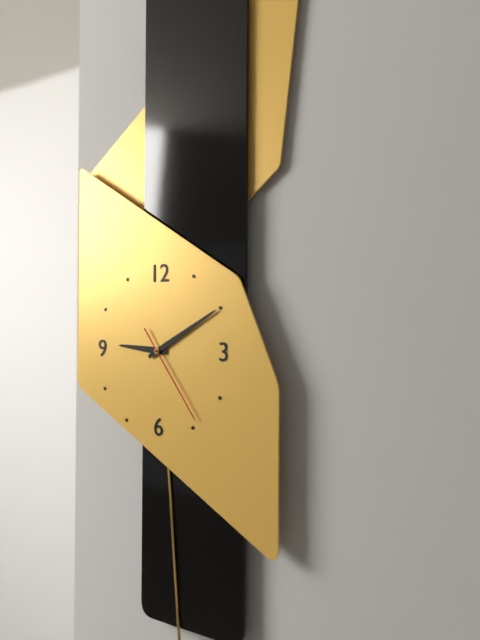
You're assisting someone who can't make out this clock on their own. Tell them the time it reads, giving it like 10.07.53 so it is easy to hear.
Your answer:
9.10.24
